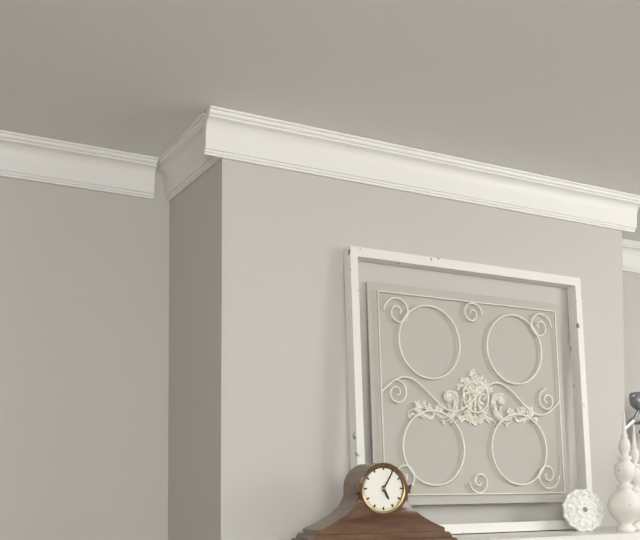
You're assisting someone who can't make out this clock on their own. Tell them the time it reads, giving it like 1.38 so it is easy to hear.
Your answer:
5.05
